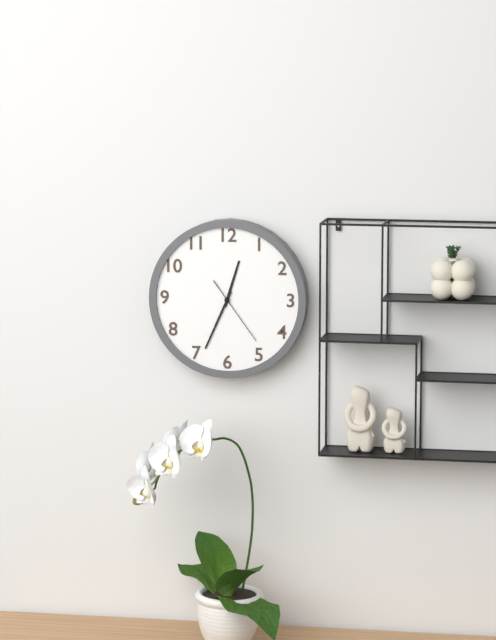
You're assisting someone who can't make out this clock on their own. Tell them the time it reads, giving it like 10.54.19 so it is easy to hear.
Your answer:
12.34.24
